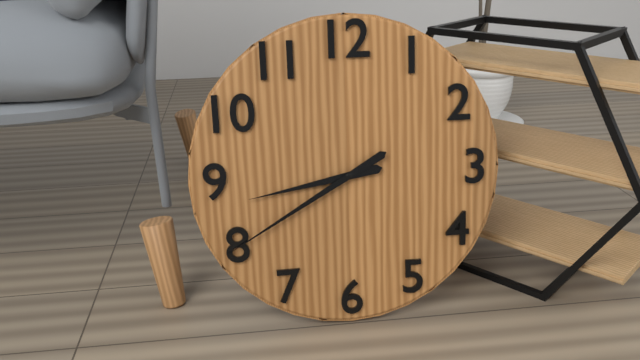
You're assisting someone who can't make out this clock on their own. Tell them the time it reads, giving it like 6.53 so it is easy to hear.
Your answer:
8.40
